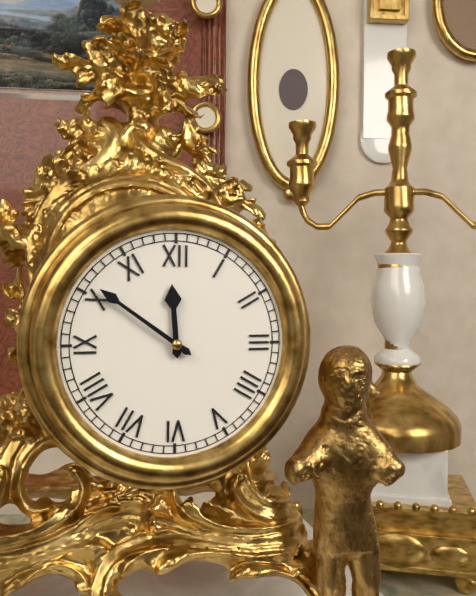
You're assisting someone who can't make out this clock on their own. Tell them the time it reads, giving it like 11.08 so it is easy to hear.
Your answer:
11.51
